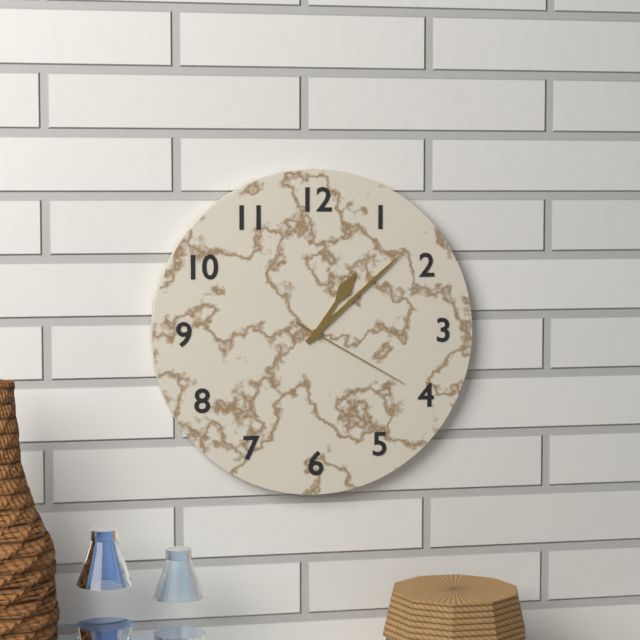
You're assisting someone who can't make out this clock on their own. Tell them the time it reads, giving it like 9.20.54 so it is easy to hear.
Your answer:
1.08.20
